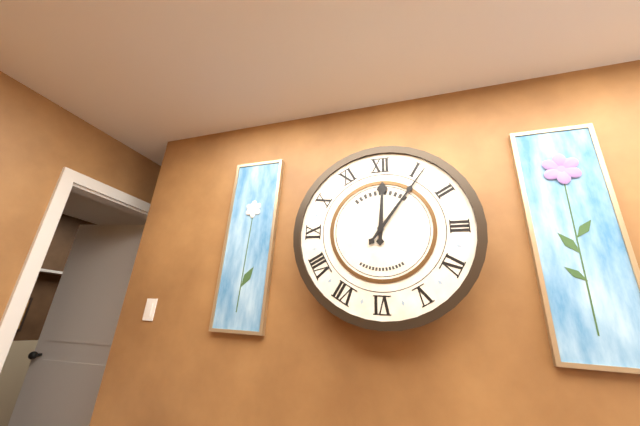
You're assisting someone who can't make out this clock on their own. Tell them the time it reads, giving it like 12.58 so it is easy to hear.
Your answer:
12.06
